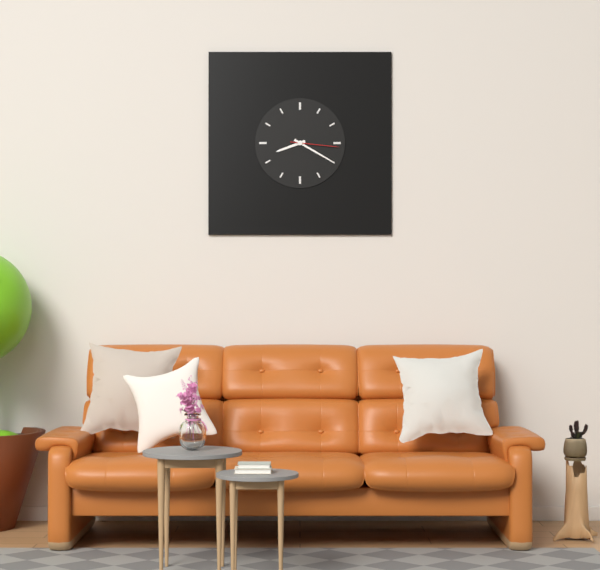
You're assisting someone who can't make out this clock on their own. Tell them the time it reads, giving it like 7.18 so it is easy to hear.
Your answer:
8.20
